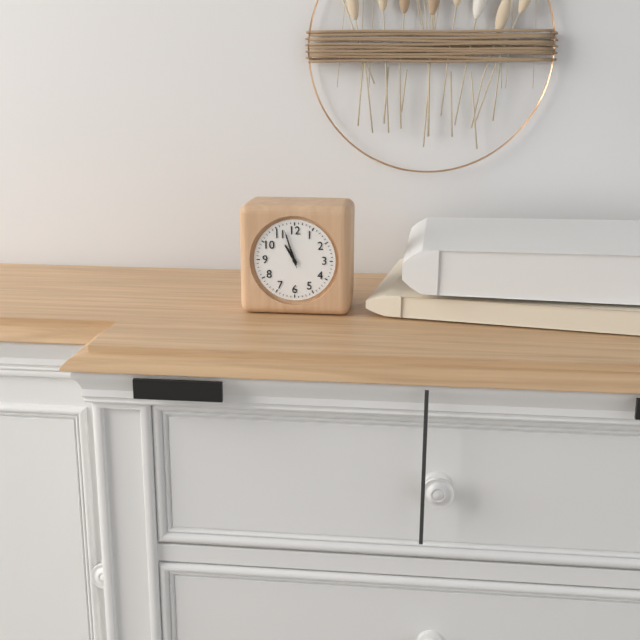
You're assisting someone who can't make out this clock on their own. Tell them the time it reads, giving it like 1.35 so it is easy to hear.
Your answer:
10.57
